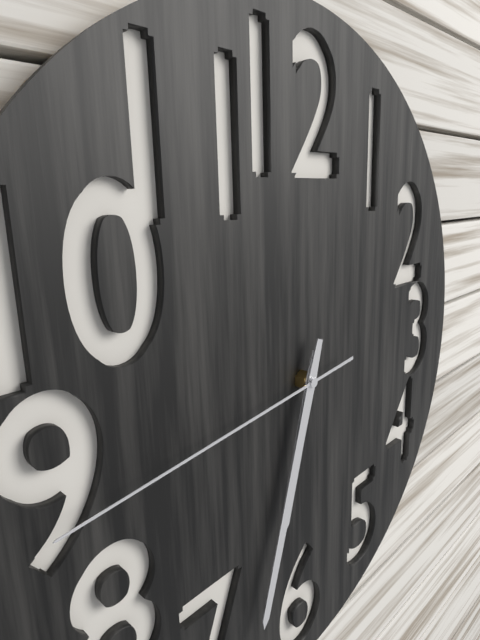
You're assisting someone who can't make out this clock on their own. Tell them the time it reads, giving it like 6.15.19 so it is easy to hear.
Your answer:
6.33.44
